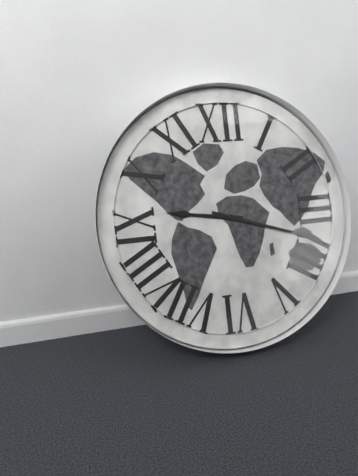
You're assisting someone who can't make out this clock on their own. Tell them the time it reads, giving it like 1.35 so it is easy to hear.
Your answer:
9.18
